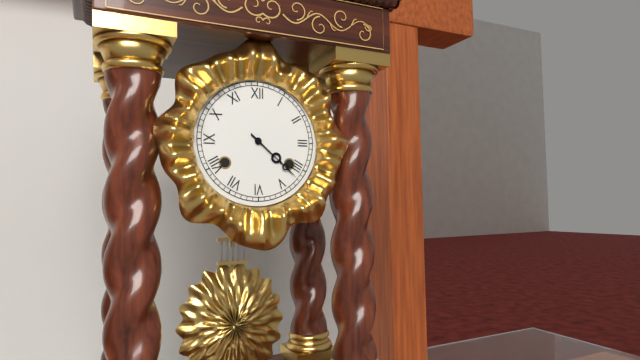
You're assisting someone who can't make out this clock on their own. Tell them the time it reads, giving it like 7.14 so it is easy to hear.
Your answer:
4.22
